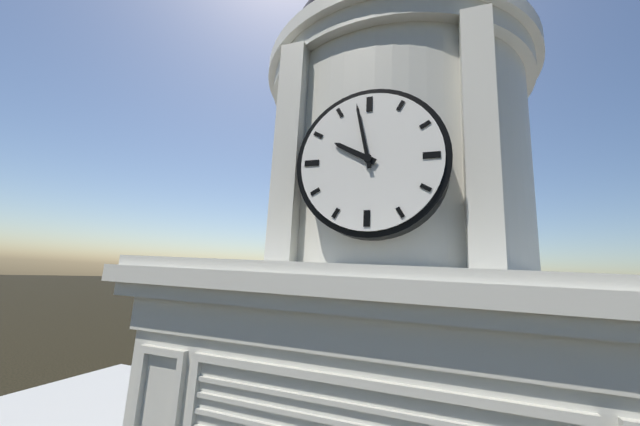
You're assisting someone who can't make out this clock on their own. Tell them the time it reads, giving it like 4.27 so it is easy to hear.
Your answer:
9.58
